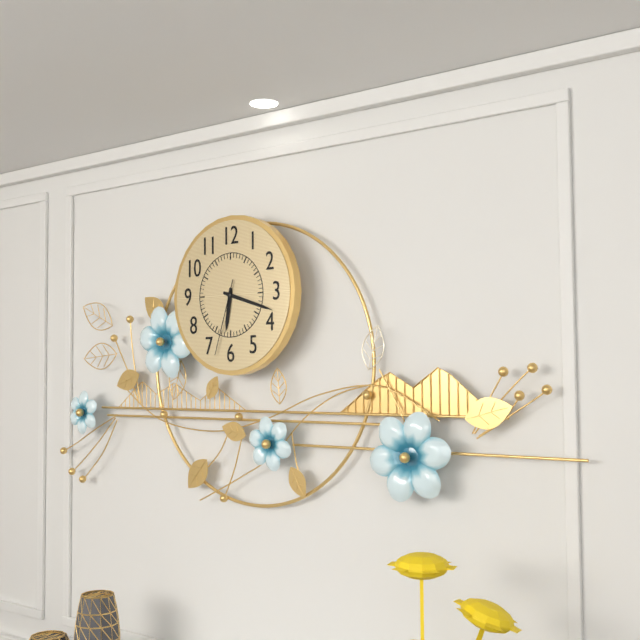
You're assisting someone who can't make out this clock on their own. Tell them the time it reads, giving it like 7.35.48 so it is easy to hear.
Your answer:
6.18.33
